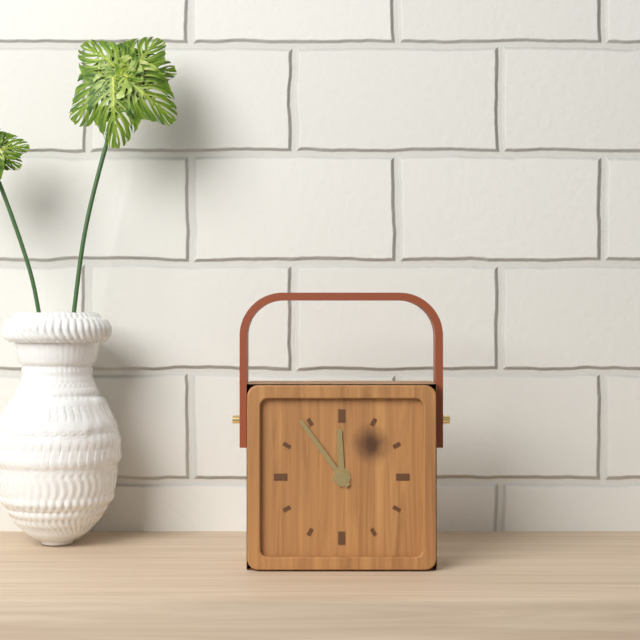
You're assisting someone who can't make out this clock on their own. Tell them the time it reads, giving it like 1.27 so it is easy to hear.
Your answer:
11.54
